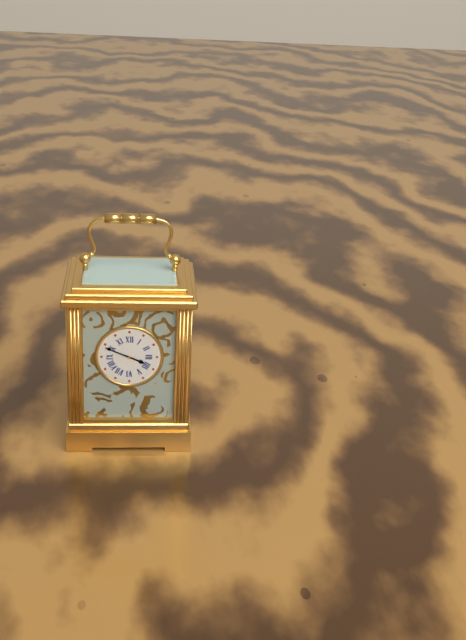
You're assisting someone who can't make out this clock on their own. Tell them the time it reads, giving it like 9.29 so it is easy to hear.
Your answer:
3.49
